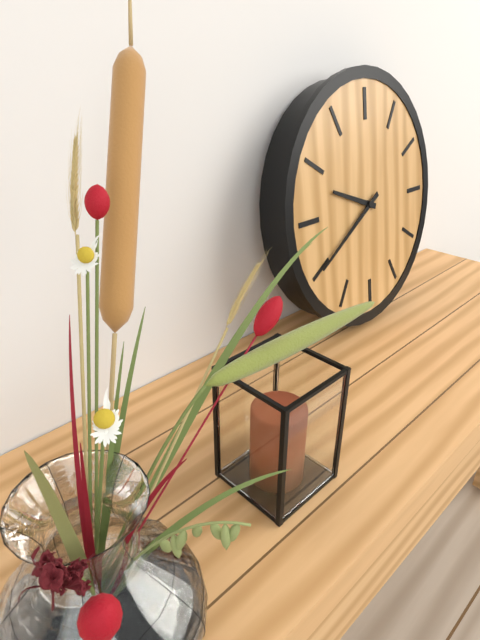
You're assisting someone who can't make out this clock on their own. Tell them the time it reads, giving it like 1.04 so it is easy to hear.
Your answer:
9.40
